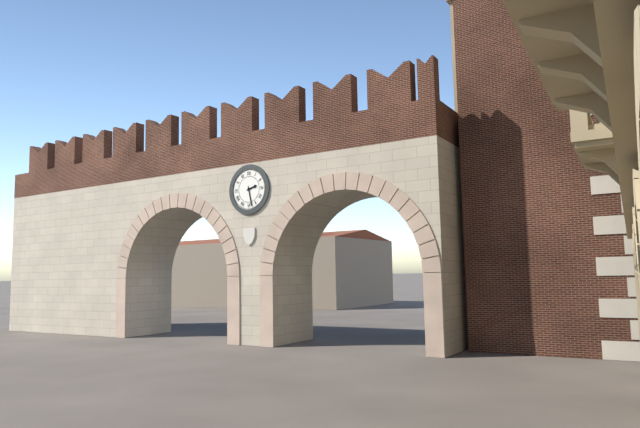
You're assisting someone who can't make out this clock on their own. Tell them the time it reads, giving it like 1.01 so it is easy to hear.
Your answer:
2.28
